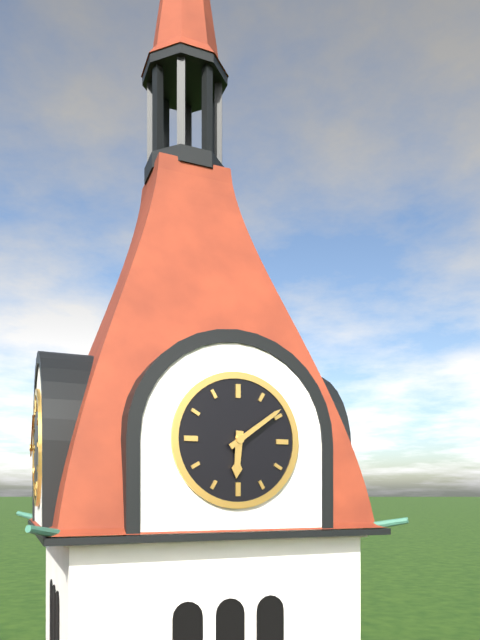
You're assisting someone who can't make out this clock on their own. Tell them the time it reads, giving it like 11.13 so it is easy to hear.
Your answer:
6.09
